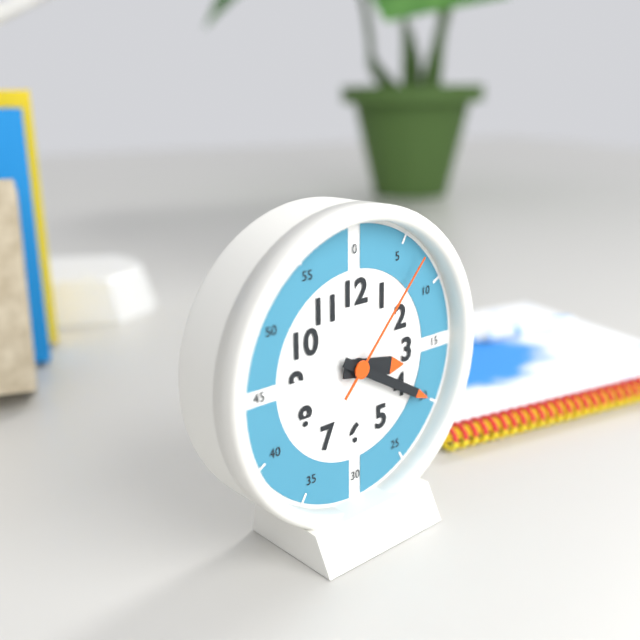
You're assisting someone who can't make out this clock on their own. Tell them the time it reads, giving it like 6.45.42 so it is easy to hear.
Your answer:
3.20.07
